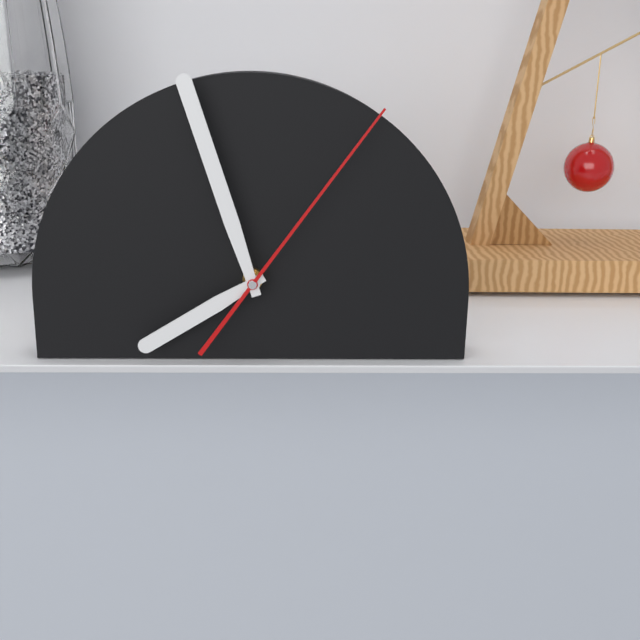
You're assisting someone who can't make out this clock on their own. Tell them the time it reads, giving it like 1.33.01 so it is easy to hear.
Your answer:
7.57.06
